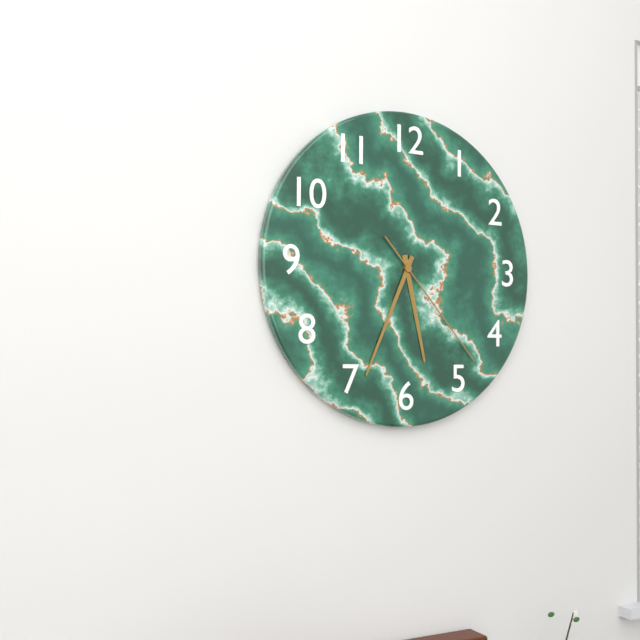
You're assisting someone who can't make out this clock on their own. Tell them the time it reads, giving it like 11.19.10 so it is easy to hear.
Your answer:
5.34.23
